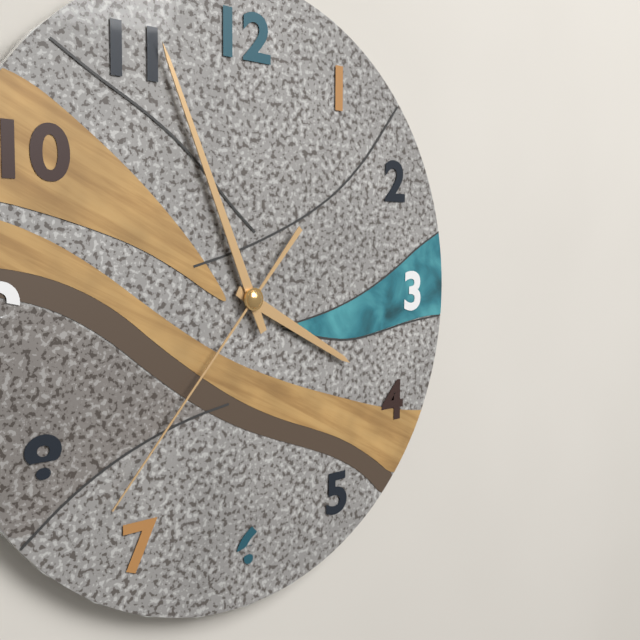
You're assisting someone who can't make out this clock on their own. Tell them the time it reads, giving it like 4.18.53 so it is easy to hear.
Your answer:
3.56.37
